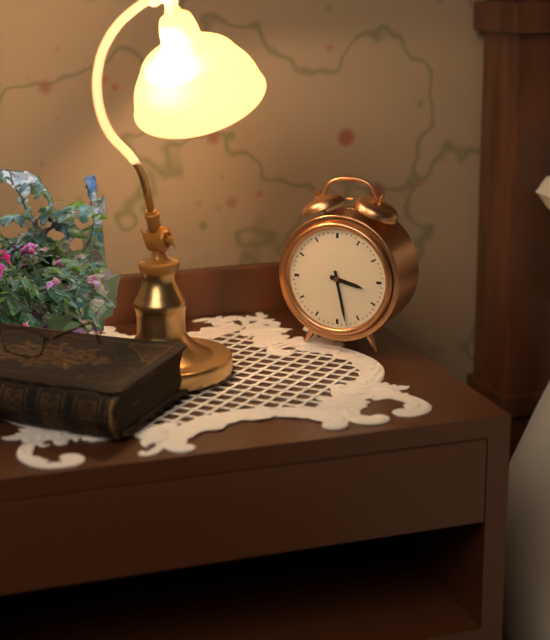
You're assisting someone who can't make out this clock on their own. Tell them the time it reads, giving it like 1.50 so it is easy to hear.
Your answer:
3.28
